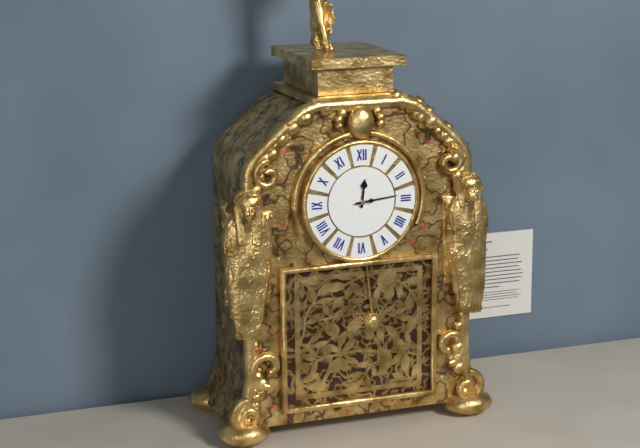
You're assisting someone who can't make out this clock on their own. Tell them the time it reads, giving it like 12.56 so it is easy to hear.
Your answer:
12.14
